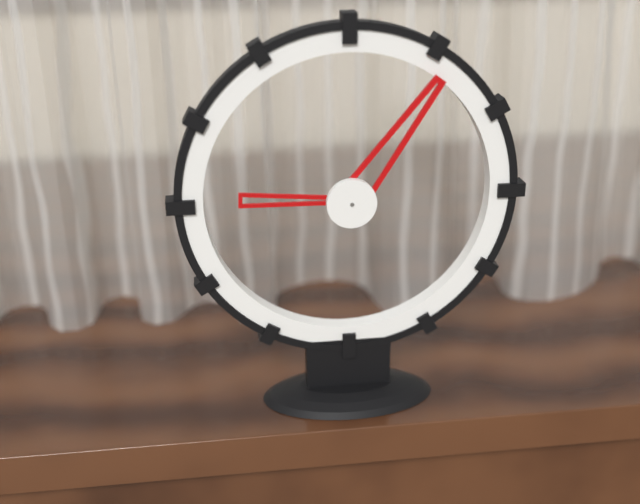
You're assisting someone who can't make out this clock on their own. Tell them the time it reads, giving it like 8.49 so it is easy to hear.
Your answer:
9.06
